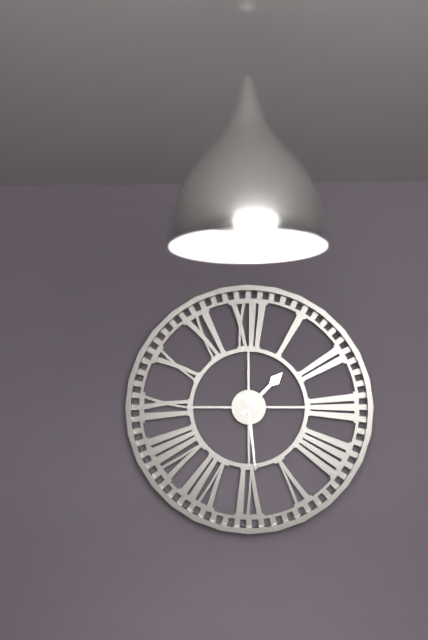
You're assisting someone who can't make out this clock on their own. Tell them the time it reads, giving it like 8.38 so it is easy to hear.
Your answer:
1.29
